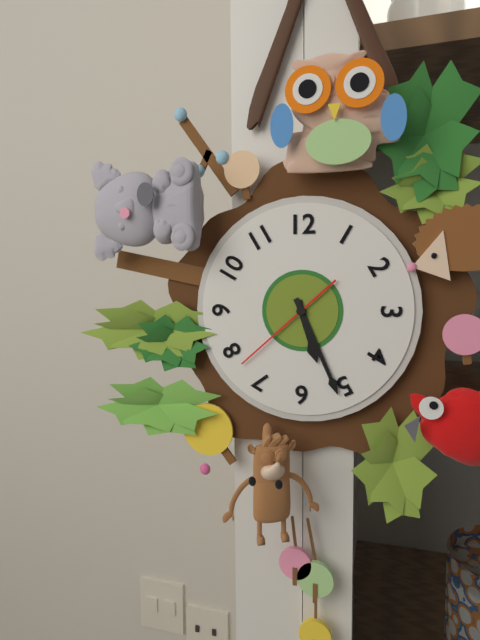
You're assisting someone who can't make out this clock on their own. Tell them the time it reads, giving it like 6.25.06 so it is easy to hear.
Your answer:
5.26.38
